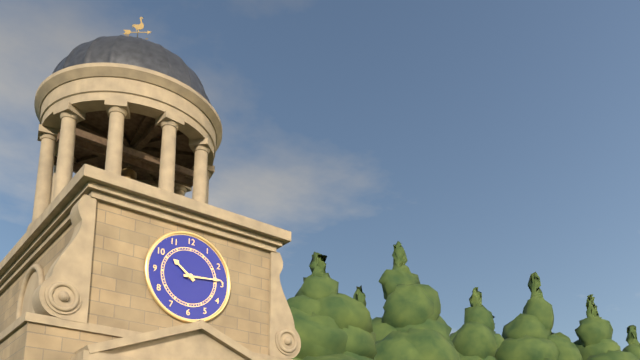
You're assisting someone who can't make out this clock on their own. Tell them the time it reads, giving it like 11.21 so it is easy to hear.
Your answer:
10.14
